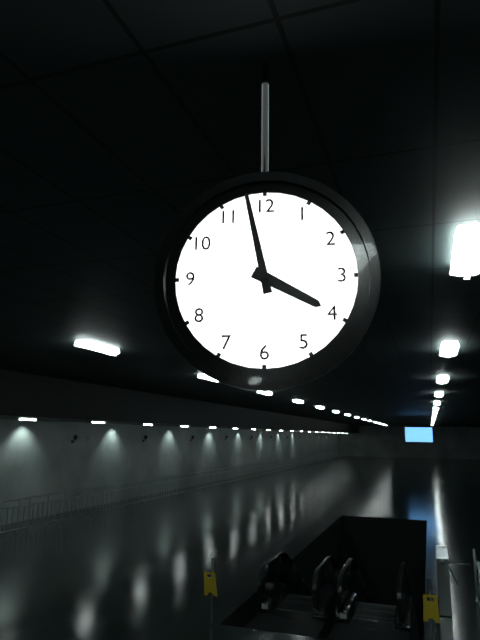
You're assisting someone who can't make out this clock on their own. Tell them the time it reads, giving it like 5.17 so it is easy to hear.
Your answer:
3.58
